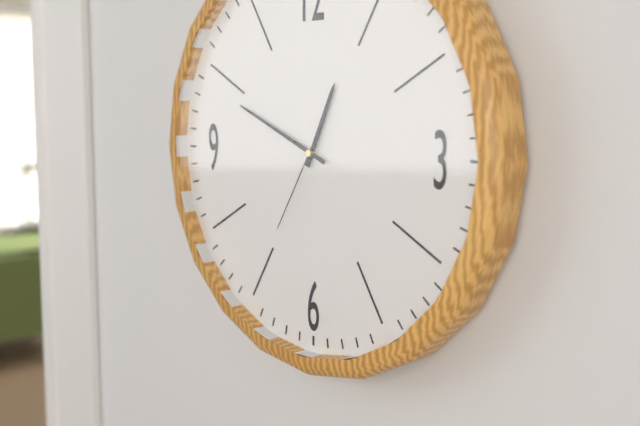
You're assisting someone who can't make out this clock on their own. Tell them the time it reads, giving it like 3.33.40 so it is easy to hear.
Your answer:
12.49.35
